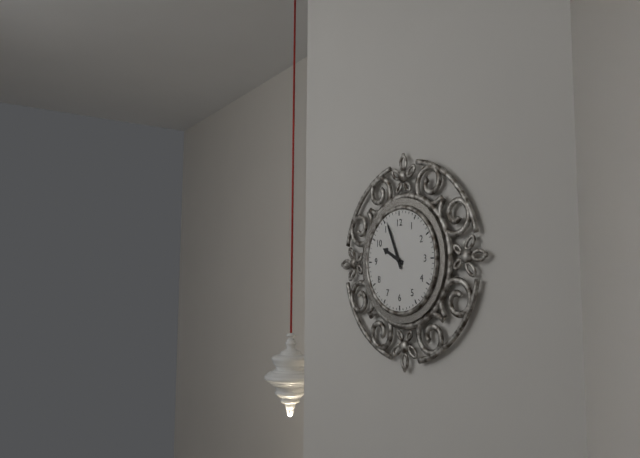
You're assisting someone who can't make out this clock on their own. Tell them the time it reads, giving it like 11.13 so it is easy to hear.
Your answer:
9.56
